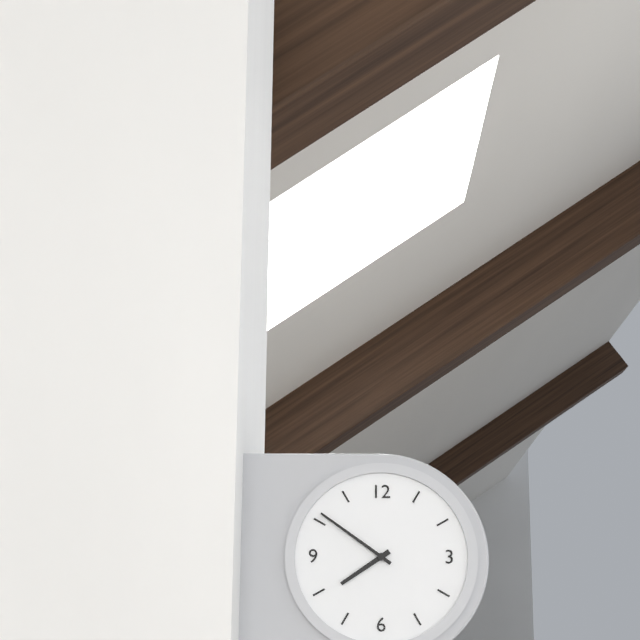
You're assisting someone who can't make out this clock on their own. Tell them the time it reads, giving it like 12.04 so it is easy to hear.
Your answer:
7.51
